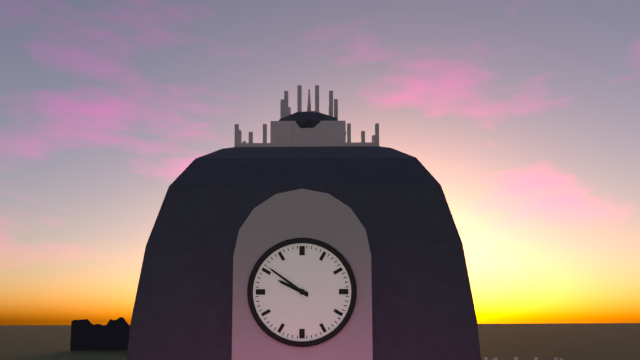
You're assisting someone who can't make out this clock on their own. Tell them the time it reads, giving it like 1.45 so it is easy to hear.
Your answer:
9.51
